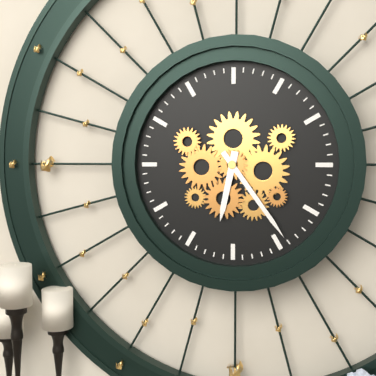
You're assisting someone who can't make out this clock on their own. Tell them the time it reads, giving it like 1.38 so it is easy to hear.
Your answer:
6.24
